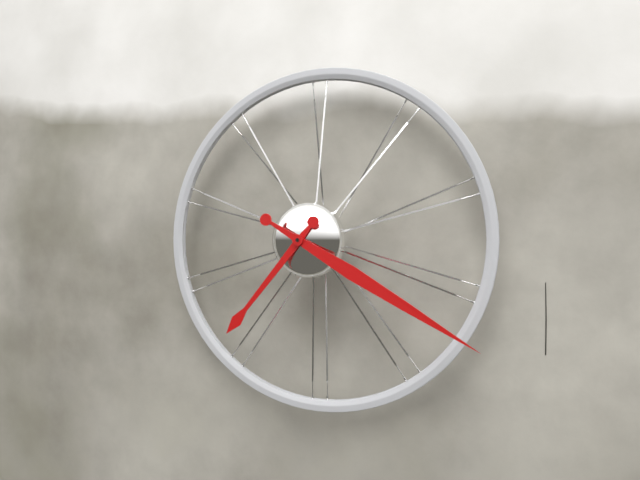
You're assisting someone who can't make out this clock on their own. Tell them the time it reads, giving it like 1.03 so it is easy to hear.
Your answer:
7.20
